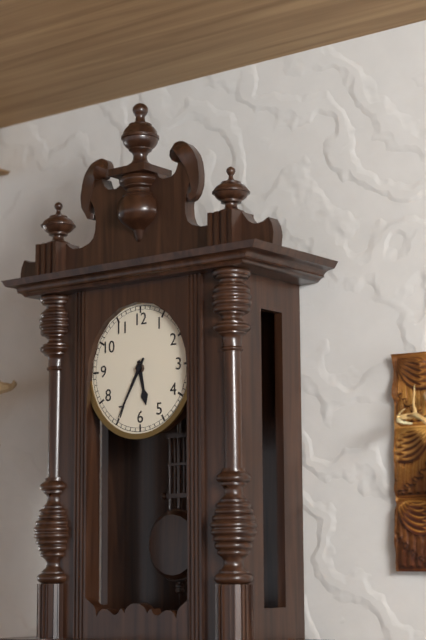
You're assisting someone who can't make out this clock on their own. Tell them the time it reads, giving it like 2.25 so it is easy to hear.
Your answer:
5.35
